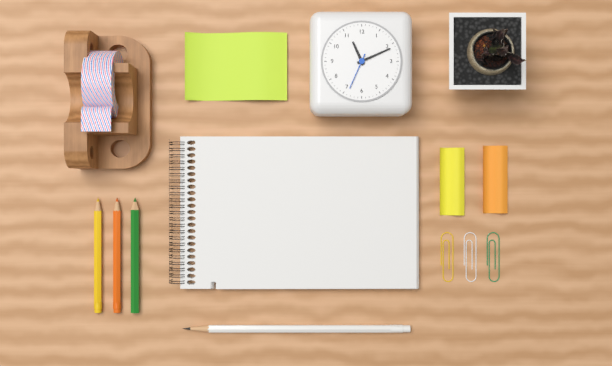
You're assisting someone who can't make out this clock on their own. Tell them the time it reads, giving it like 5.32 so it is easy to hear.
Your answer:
11.11
